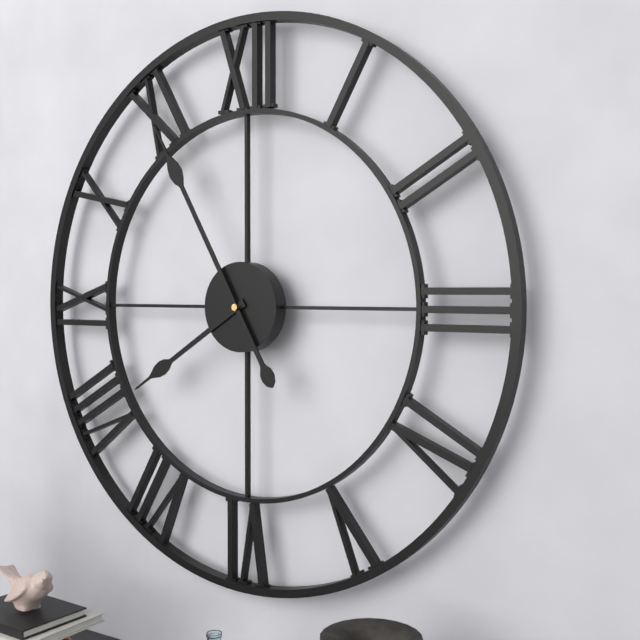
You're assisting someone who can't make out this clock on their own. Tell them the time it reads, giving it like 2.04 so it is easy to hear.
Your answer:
7.55
